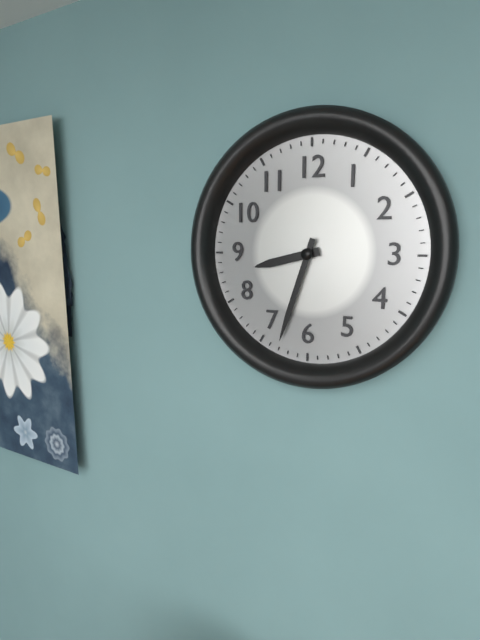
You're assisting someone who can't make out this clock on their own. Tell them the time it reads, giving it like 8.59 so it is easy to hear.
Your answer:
8.33
